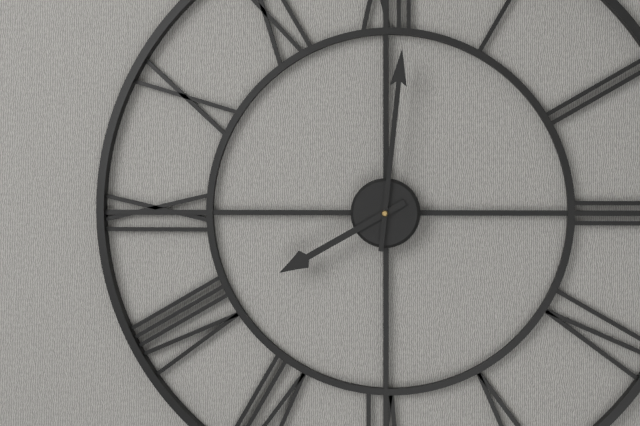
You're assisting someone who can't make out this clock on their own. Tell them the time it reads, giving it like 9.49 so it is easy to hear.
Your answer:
8.01
